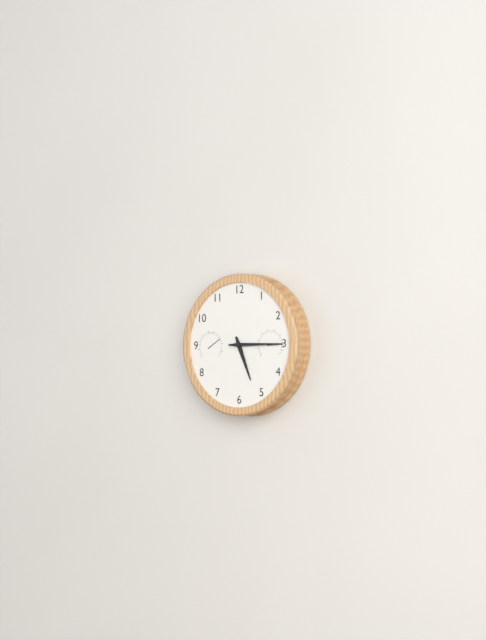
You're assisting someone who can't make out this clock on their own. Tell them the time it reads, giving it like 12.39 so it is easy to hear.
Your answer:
5.15
